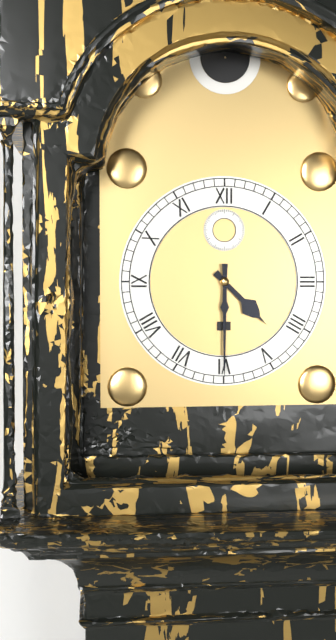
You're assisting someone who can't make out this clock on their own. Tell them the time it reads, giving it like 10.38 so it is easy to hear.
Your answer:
4.30
